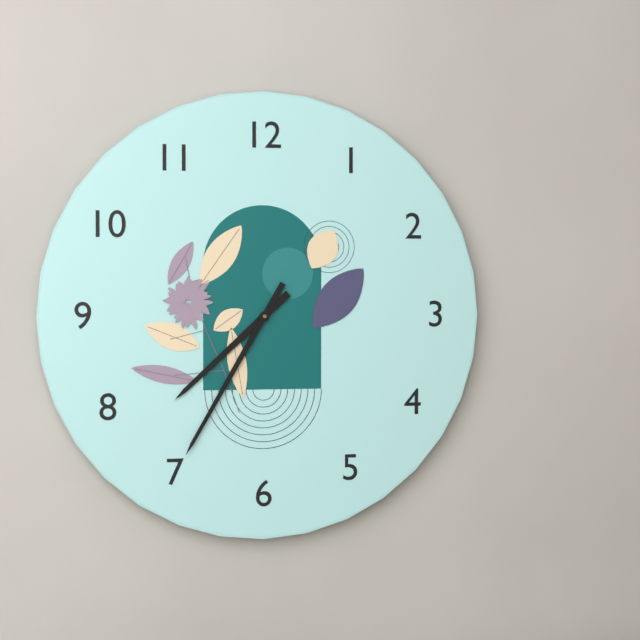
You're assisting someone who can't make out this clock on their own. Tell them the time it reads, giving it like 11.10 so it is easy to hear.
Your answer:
7.35
